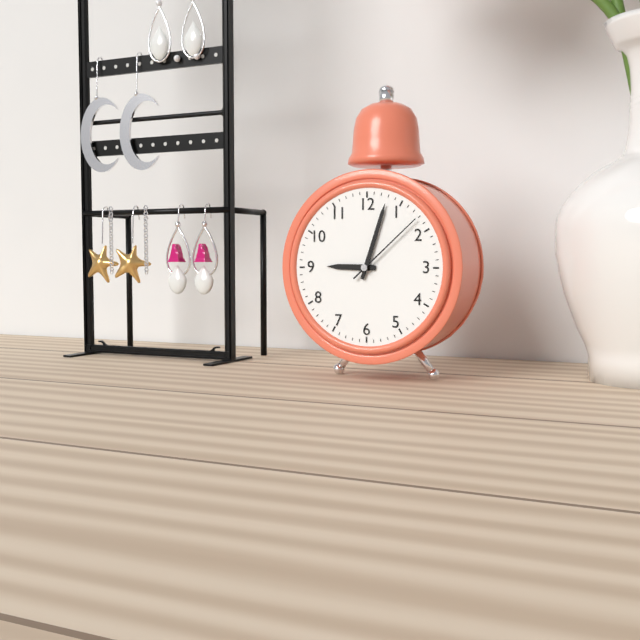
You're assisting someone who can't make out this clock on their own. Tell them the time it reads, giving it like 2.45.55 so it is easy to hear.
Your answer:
9.03.08
